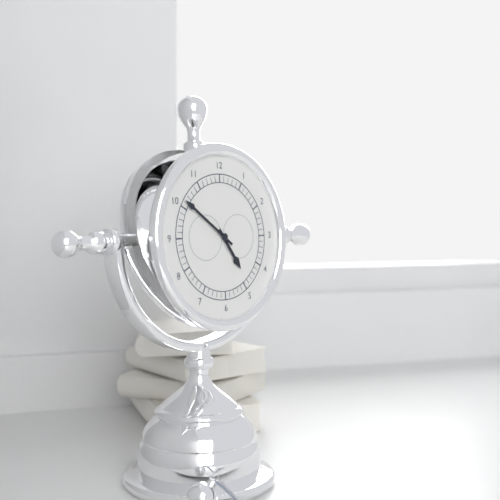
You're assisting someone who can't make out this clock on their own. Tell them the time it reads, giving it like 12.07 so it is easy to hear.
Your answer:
4.51
